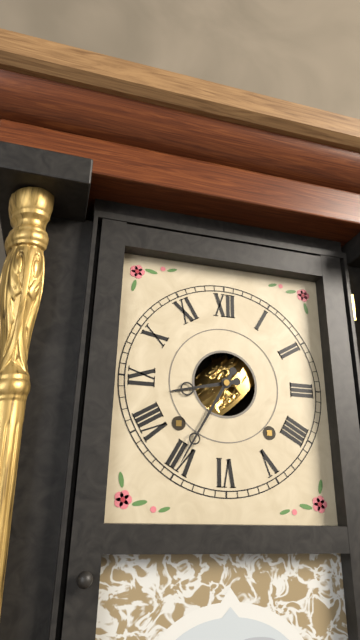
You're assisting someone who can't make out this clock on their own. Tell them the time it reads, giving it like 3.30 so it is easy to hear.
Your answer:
8.35
